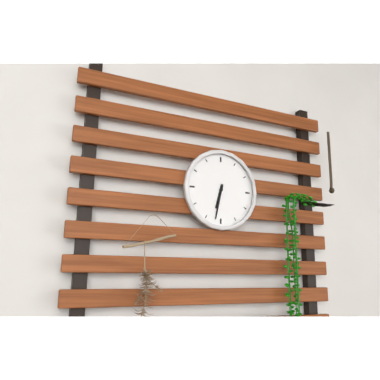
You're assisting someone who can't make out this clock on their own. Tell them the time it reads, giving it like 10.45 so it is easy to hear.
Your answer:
6.32
